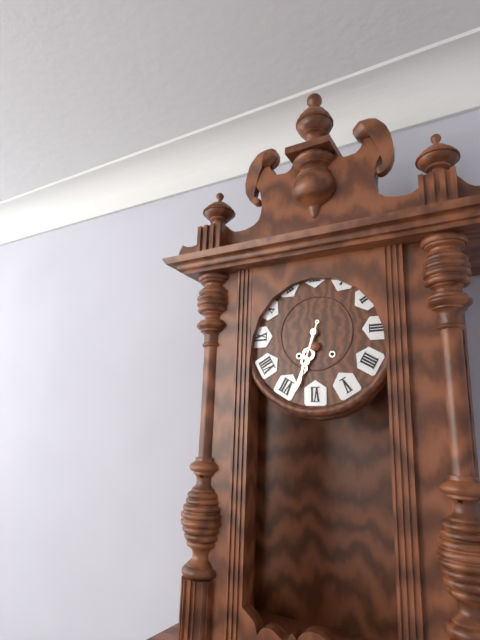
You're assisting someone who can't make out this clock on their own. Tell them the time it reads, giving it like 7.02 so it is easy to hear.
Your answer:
6.33
